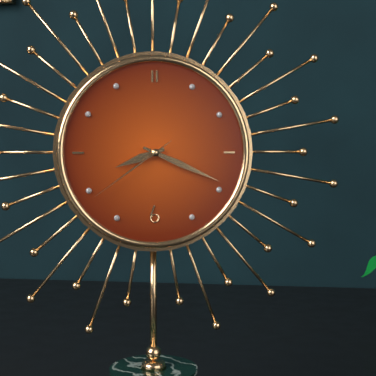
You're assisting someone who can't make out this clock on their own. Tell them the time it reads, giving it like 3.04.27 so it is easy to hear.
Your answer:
8.19.39
